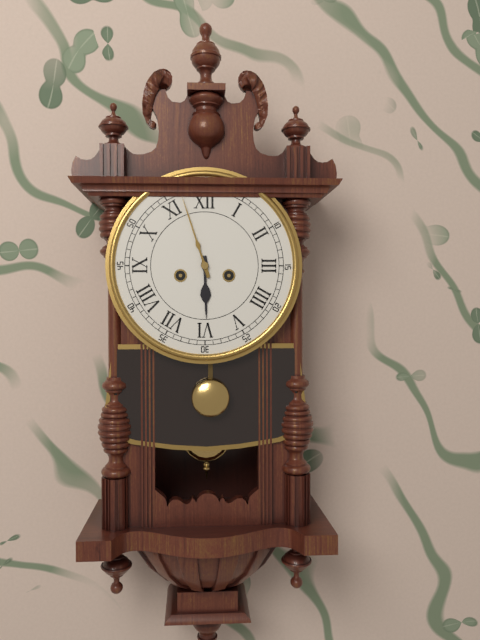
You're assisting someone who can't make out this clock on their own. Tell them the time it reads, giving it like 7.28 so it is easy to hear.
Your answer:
5.57
